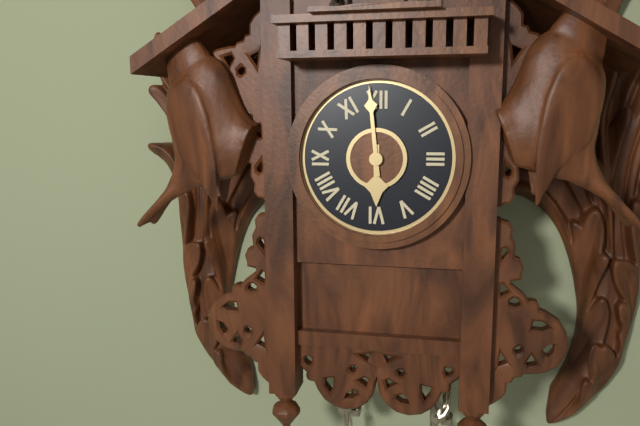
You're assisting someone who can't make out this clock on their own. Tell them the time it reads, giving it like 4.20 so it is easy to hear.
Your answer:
5.59
